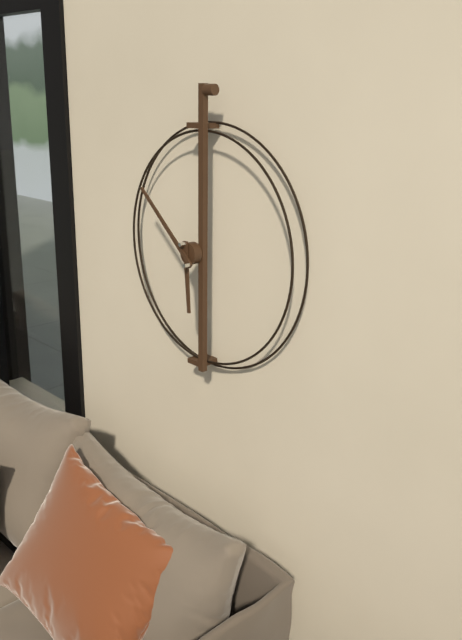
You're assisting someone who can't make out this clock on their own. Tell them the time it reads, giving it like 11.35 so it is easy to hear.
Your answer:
5.52
